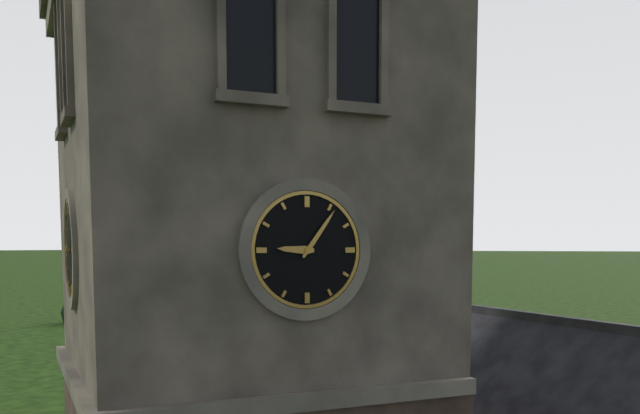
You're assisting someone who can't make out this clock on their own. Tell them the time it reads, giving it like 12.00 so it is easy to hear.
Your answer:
9.06
